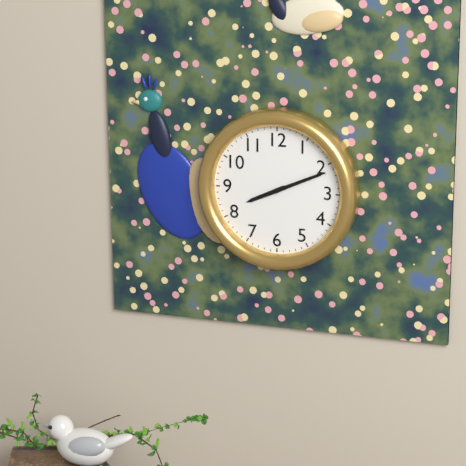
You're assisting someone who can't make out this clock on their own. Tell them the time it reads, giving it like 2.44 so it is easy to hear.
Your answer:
8.11
